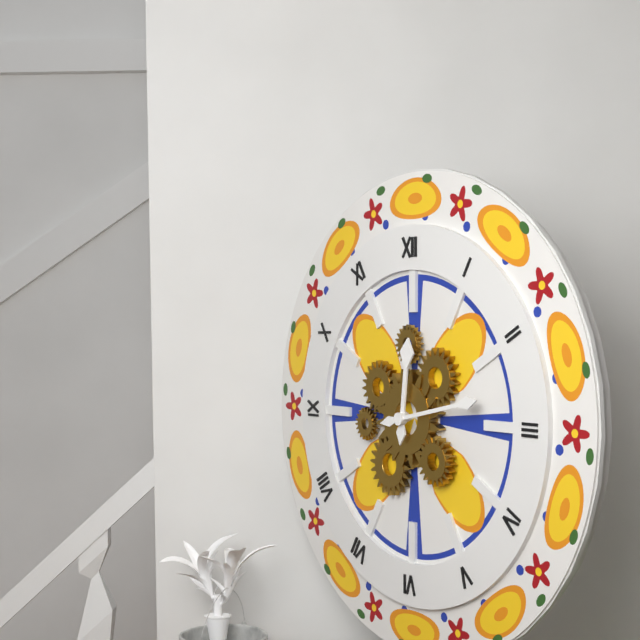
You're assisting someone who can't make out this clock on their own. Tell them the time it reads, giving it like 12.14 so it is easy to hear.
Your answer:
12.13
